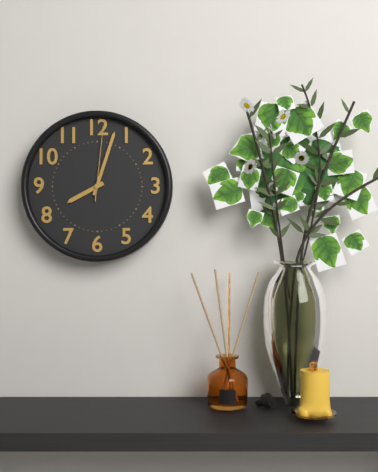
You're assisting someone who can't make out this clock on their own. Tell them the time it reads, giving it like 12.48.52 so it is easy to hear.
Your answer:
8.03.01
